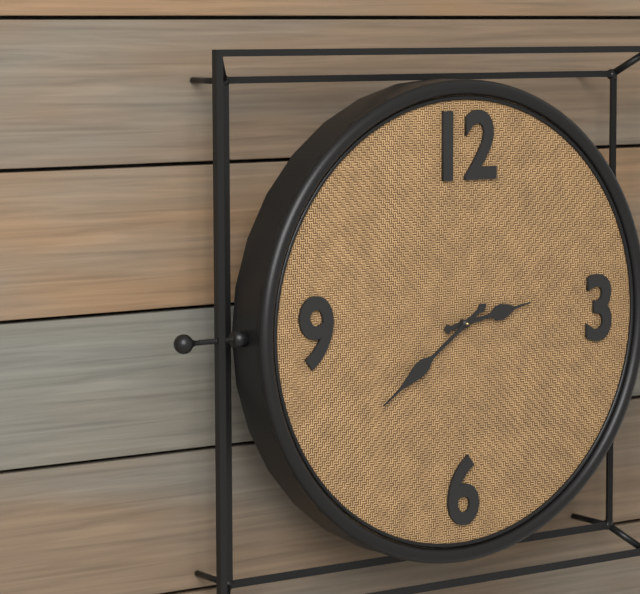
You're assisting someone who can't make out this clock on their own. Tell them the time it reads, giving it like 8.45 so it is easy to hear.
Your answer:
2.39
